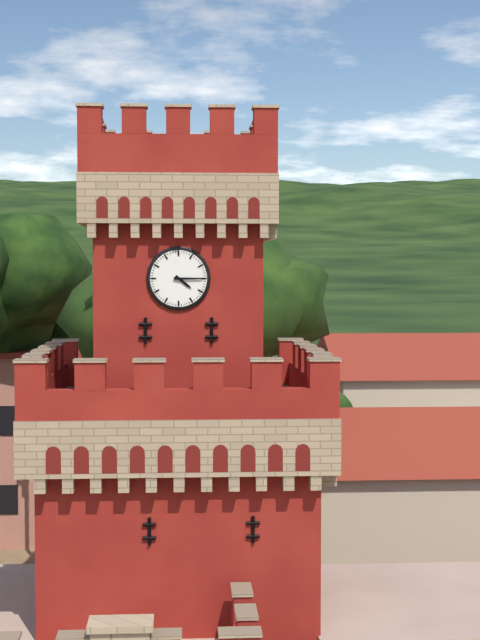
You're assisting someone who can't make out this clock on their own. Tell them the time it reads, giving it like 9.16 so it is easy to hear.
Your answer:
4.15
